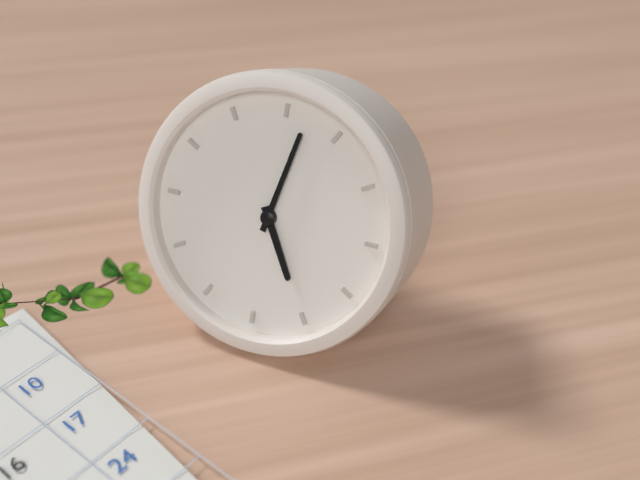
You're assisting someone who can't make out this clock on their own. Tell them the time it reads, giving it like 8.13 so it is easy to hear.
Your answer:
5.02
